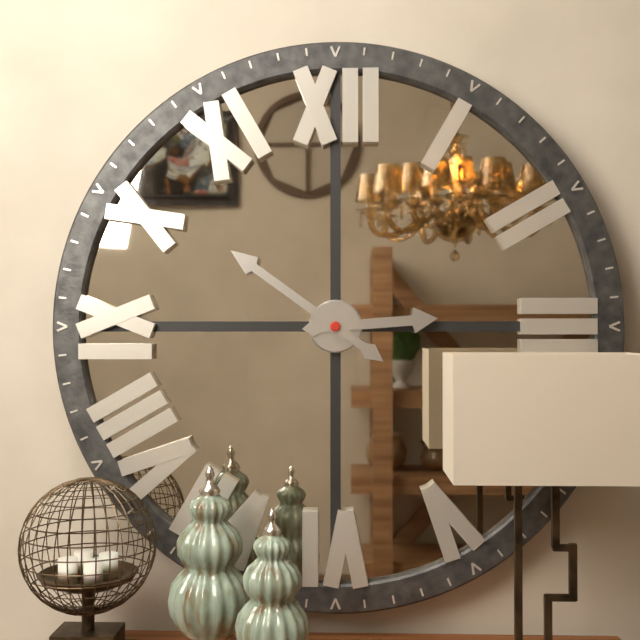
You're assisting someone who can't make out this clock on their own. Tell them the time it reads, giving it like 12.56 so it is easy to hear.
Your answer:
2.51
